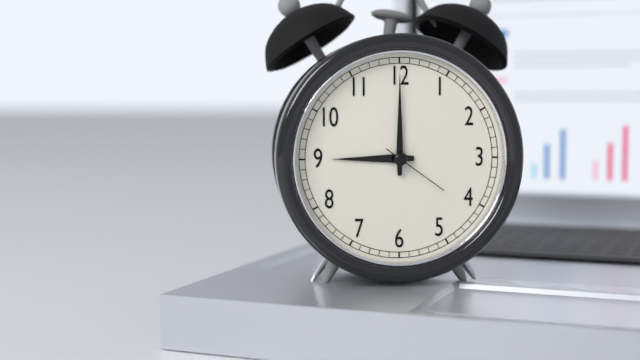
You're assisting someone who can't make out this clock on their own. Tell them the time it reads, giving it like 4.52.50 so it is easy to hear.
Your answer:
9.00.21
